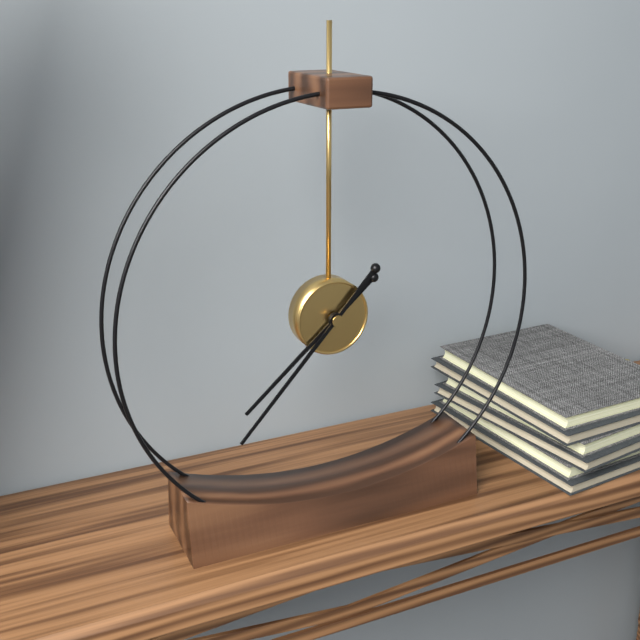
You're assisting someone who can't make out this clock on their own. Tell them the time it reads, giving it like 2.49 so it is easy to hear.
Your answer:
7.37
